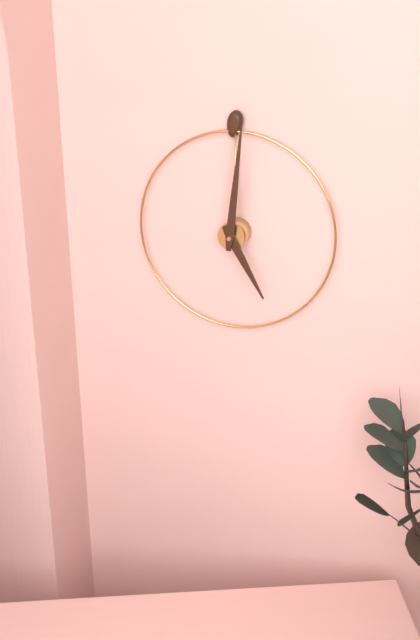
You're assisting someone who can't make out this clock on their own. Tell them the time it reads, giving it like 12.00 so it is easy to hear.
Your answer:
5.01
